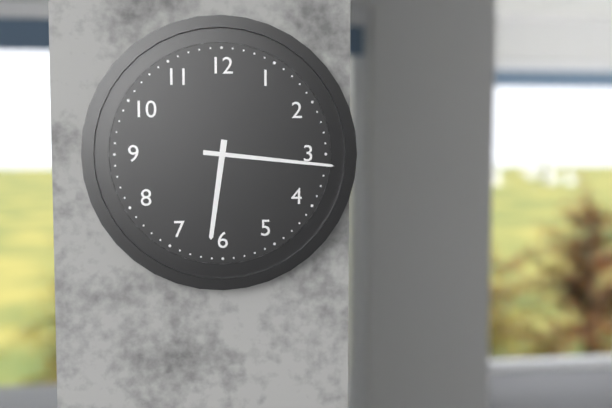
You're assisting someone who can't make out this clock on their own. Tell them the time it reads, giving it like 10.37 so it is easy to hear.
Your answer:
6.16
